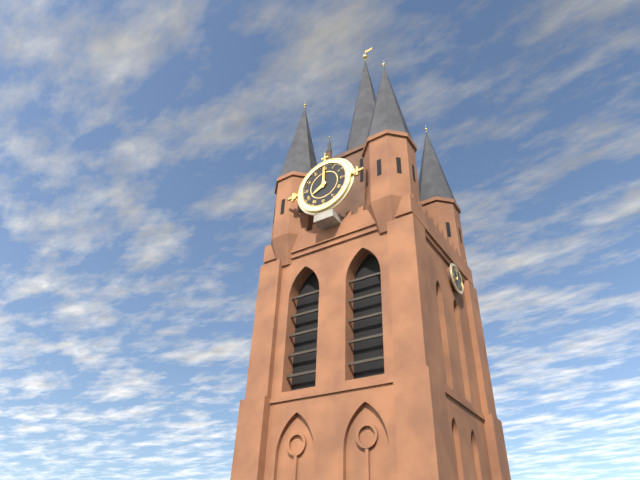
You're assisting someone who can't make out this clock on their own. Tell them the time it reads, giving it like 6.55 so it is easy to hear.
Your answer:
8.00
